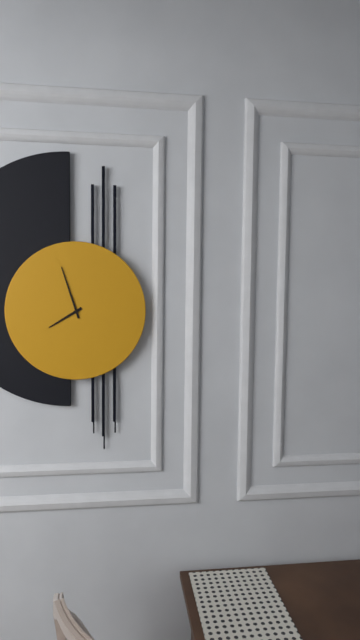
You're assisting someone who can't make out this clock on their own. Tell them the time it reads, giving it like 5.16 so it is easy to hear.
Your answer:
7.57
